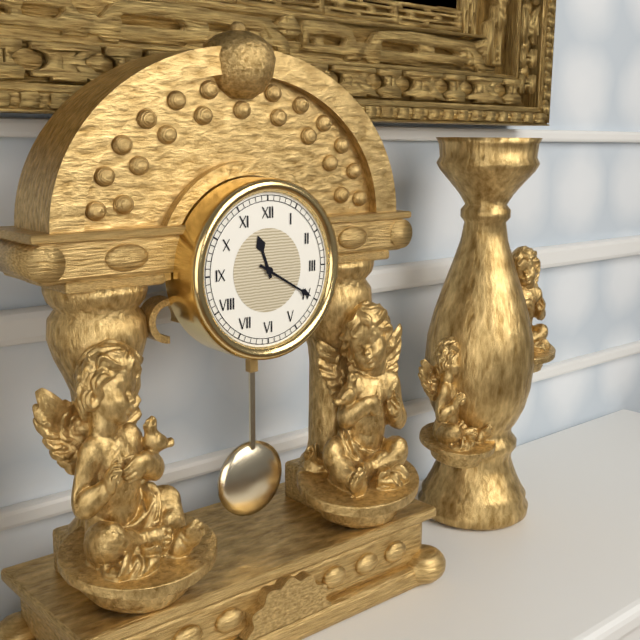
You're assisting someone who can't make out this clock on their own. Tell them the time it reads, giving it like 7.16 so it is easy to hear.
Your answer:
11.20
